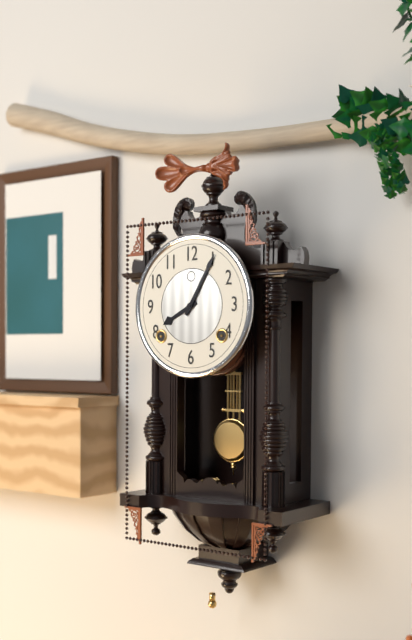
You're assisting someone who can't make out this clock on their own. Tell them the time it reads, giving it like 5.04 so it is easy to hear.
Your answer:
8.05
